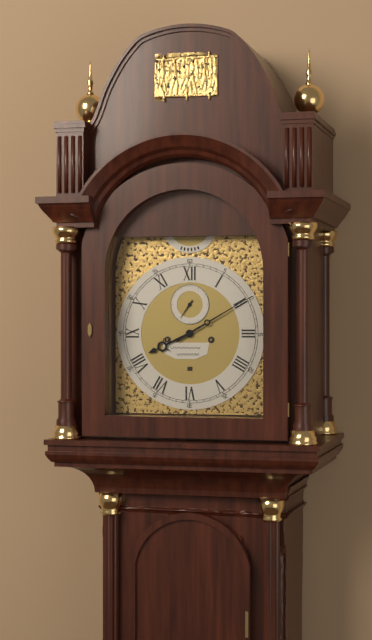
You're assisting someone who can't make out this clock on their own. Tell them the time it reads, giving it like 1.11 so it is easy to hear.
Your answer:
8.10
